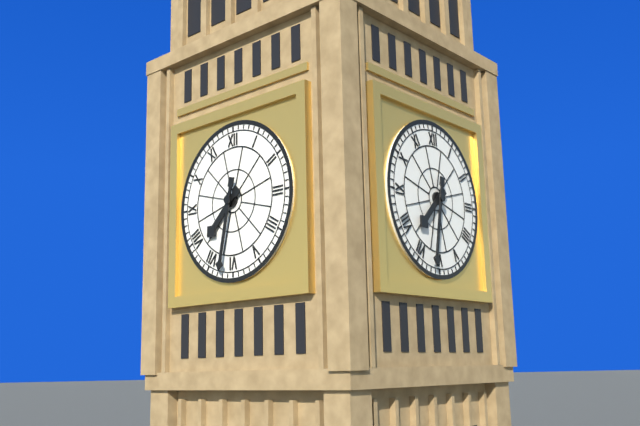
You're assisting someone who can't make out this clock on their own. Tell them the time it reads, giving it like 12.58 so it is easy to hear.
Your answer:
7.32
